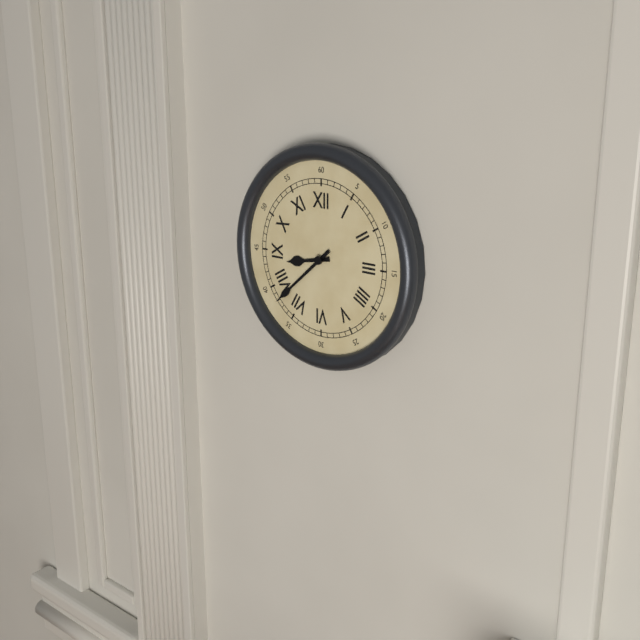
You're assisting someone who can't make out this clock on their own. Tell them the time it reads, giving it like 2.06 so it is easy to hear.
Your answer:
8.38
